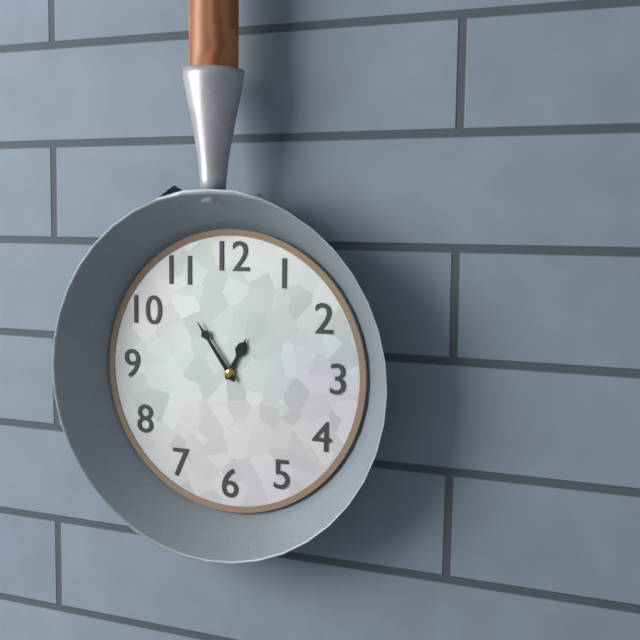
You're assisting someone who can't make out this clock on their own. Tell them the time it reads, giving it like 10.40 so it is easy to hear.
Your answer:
12.54
